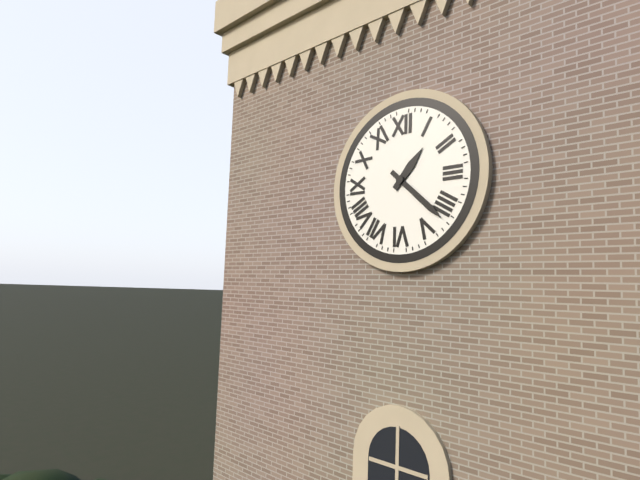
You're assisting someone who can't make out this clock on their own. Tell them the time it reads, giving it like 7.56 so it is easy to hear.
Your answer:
1.22
